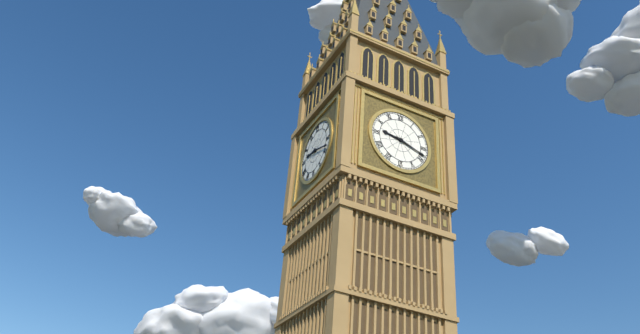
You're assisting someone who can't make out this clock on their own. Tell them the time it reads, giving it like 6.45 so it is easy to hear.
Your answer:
9.18
